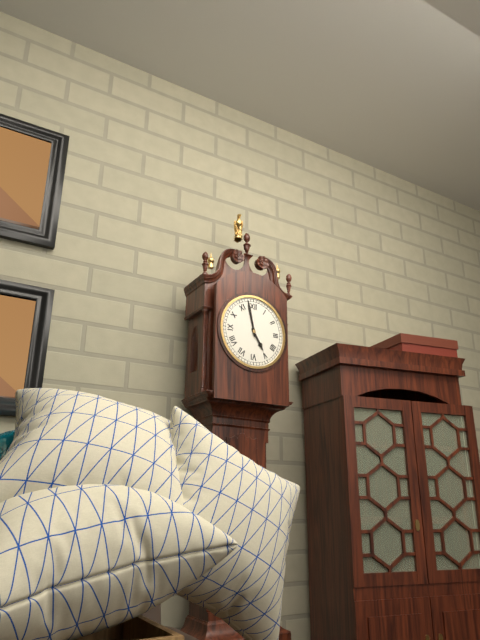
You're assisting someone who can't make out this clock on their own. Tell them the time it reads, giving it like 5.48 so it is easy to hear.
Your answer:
4.58
